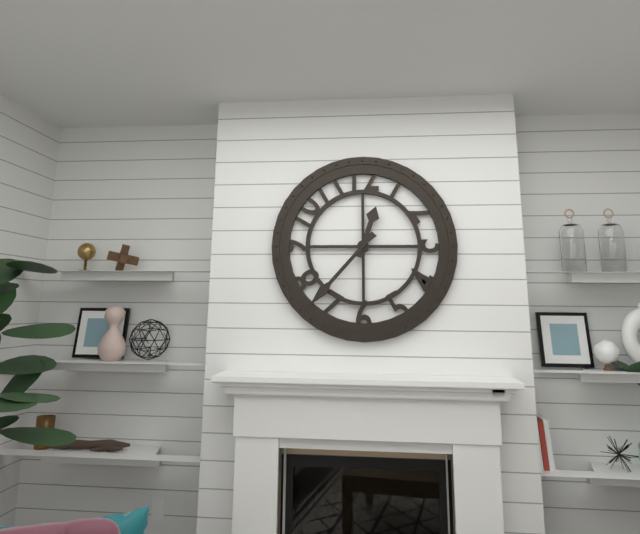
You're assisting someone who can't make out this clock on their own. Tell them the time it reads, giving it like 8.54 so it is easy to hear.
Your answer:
12.37
